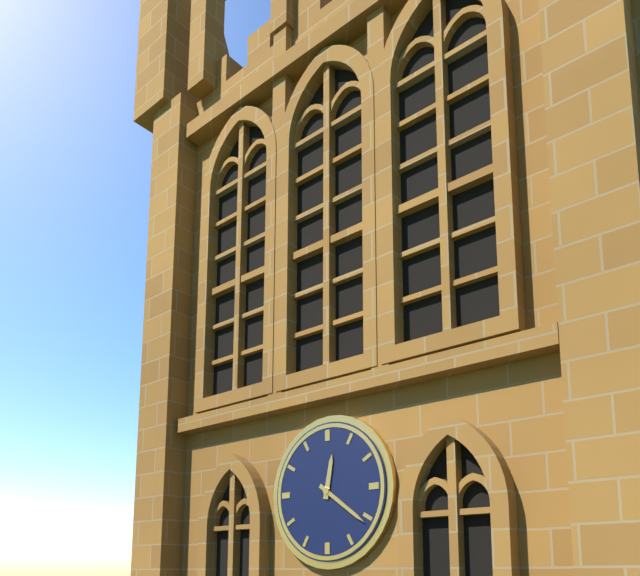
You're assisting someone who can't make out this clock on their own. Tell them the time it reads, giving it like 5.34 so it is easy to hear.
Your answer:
12.21
